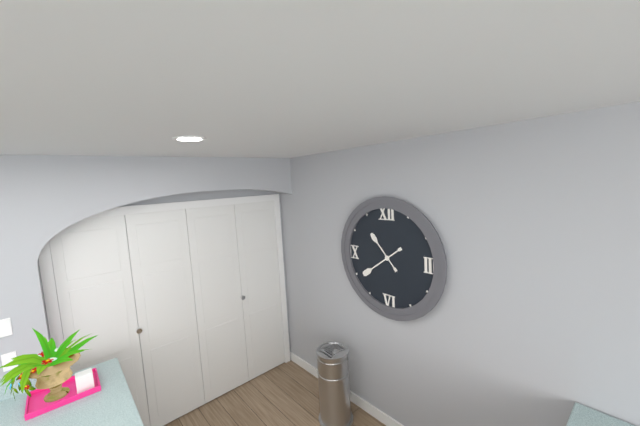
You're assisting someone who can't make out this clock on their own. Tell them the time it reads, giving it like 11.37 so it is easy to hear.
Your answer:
10.39
